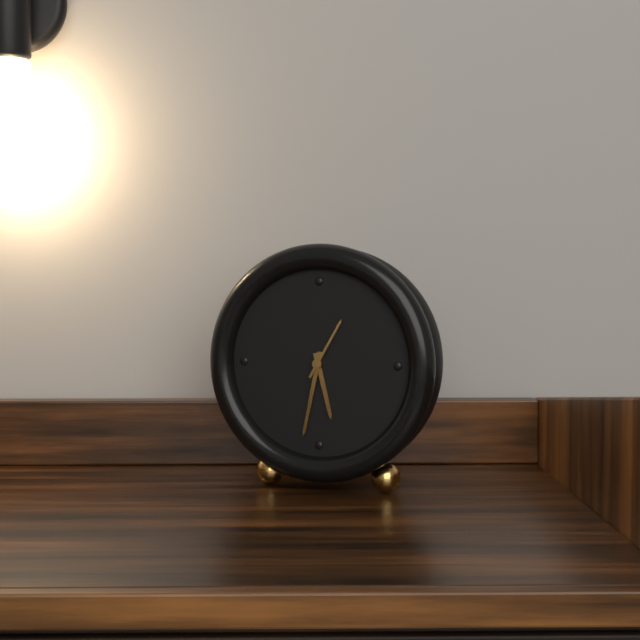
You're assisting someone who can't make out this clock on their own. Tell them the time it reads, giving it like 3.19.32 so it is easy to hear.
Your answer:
5.32.05
